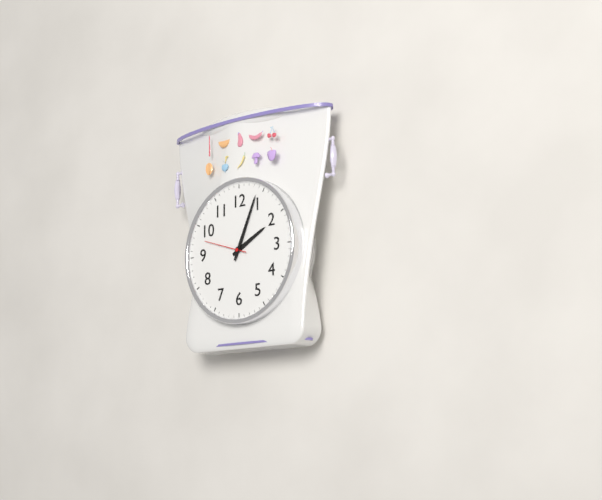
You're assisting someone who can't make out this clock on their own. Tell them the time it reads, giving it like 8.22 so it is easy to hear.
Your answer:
2.04
